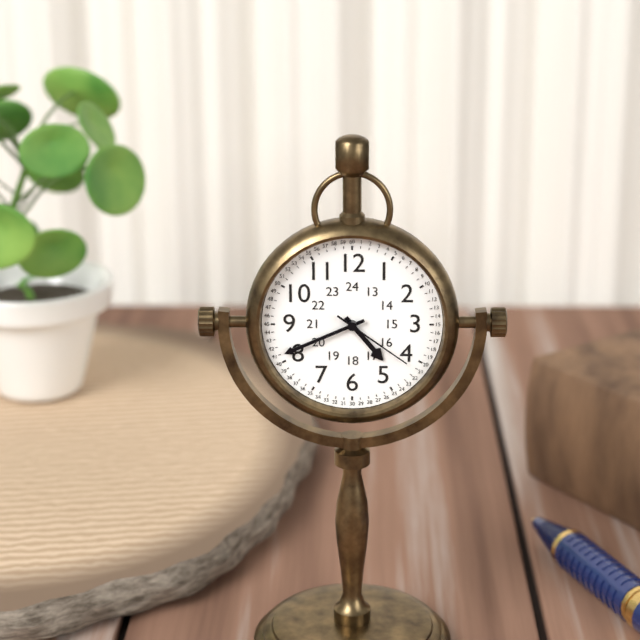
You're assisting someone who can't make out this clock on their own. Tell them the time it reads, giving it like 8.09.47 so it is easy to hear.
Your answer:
4.41.21
